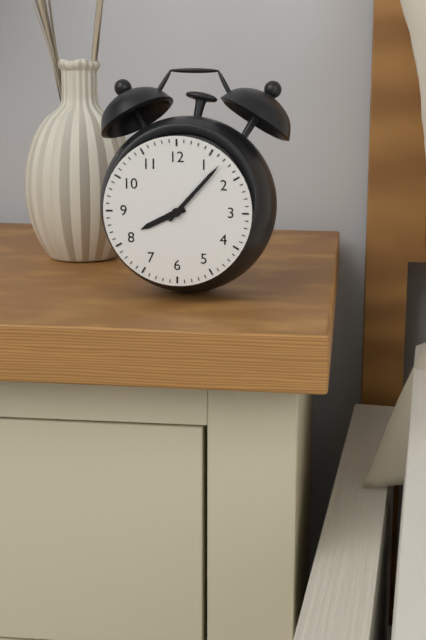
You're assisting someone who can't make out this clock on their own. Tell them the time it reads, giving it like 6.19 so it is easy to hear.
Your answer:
8.07
